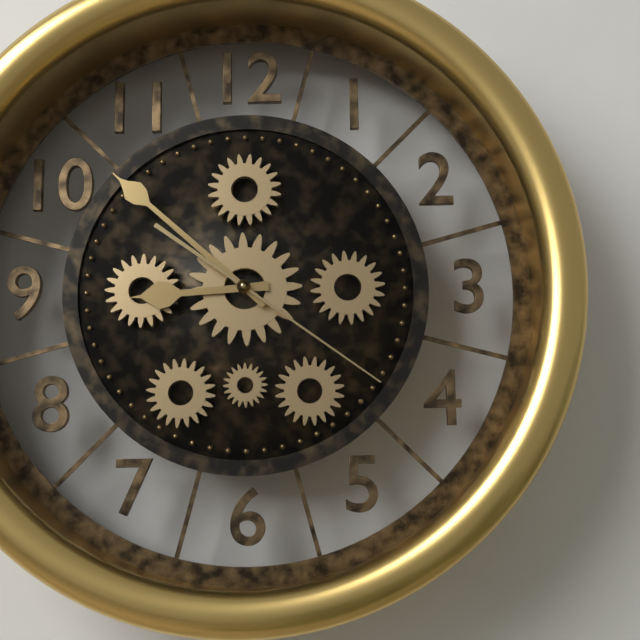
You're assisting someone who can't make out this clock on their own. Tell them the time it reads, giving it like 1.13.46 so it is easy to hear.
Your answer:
8.52.21
